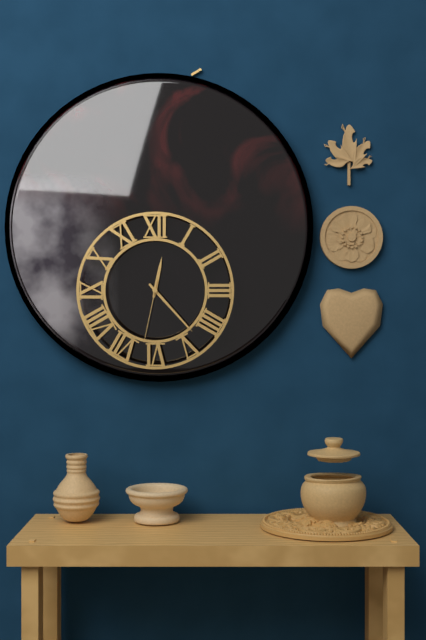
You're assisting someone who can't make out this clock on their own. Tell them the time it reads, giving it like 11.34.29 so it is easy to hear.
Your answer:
12.23.32
